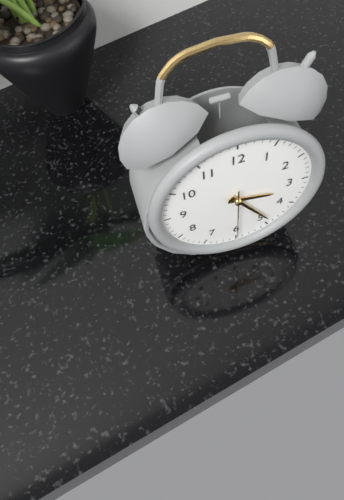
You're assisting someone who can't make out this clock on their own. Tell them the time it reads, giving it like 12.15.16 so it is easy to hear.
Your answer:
3.24.30
